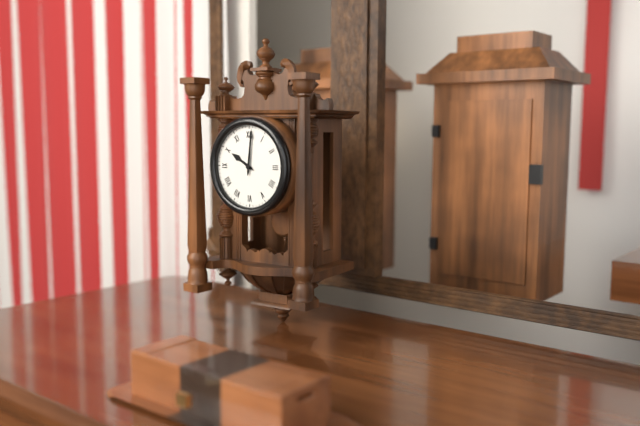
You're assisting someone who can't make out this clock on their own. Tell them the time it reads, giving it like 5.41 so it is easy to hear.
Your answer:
10.01
